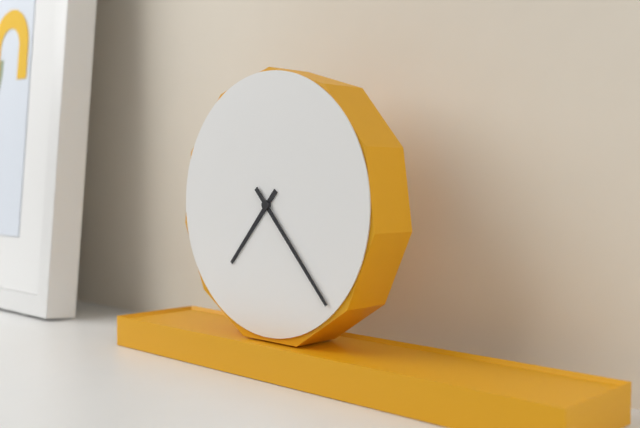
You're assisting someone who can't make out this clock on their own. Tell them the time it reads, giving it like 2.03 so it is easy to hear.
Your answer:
7.23
